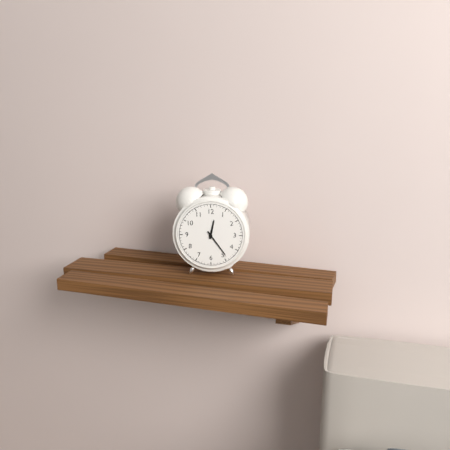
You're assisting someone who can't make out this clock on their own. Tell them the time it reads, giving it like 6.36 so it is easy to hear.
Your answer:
12.24
